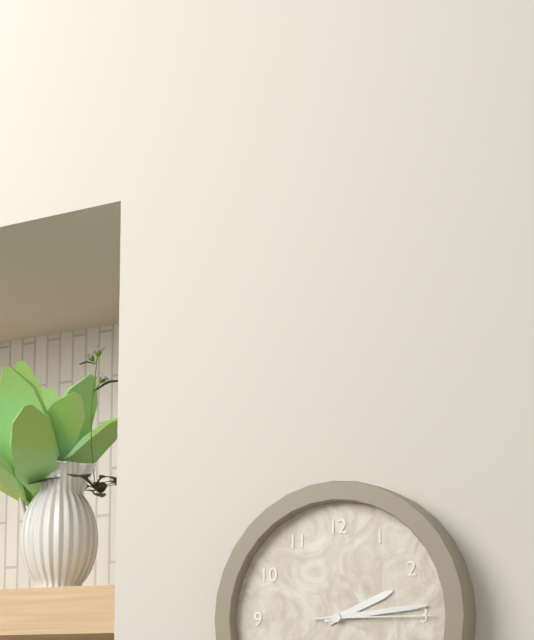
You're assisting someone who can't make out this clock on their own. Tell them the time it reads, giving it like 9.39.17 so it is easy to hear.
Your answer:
2.14.15
